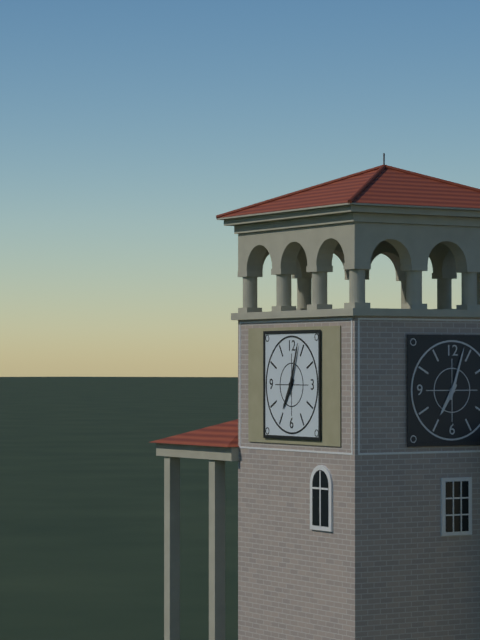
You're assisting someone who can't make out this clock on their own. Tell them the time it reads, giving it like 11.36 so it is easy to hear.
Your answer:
7.03
